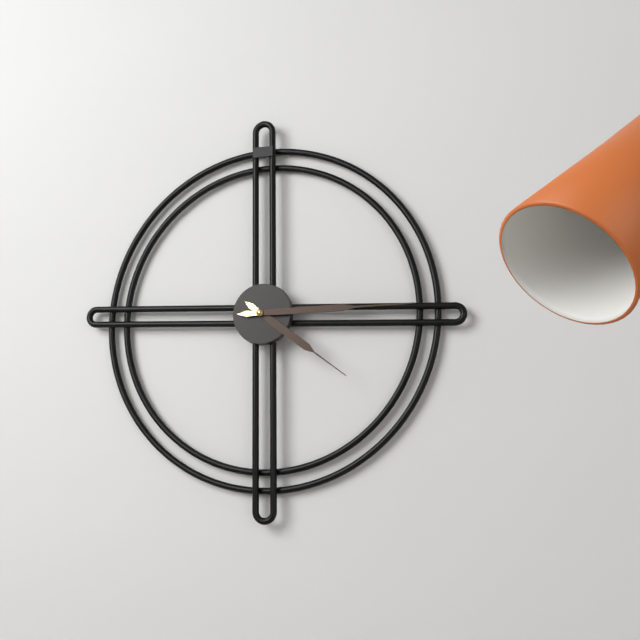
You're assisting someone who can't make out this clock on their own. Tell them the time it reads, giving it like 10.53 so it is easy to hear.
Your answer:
4.15
